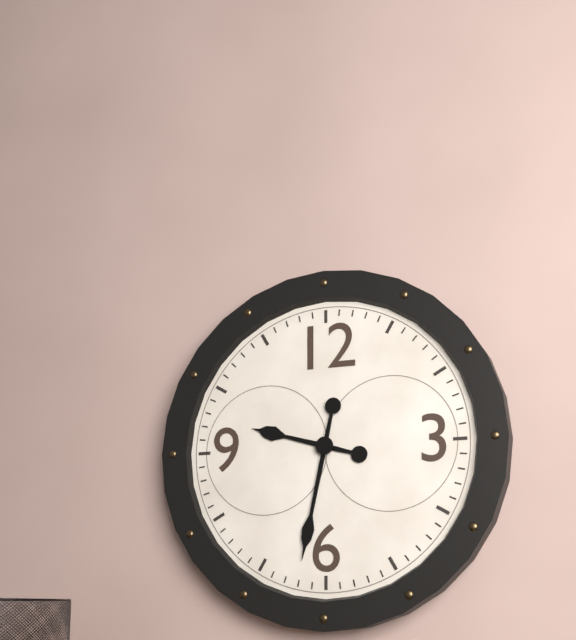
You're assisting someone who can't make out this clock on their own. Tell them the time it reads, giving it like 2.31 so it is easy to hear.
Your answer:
9.32
